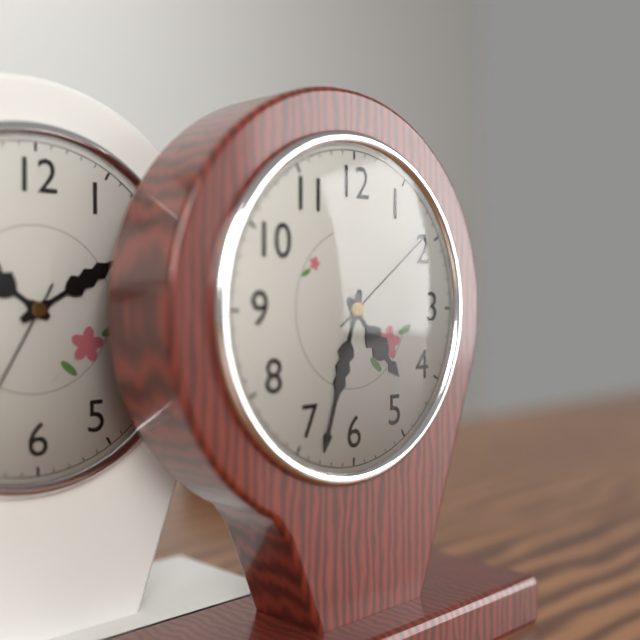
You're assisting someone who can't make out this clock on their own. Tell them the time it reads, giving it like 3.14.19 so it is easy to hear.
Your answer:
4.33.09
